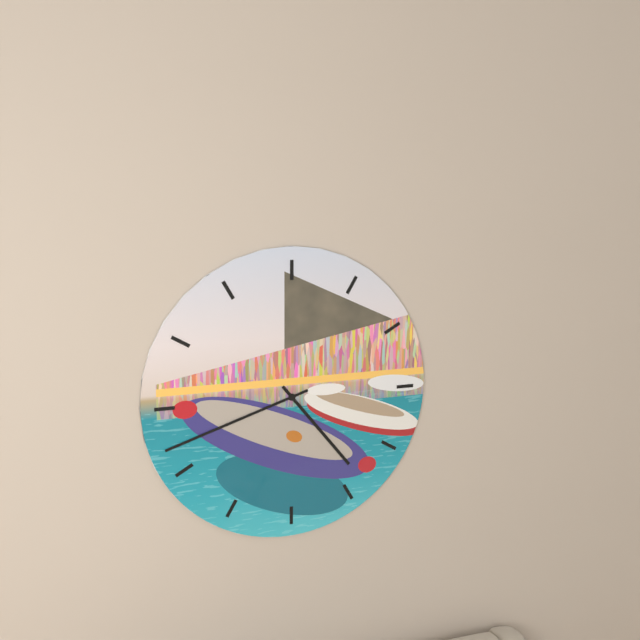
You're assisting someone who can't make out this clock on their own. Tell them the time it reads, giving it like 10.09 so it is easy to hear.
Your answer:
4.42
